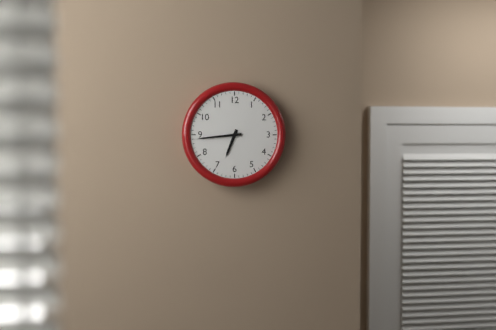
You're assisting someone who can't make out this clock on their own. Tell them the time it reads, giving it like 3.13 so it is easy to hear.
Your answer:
6.44
